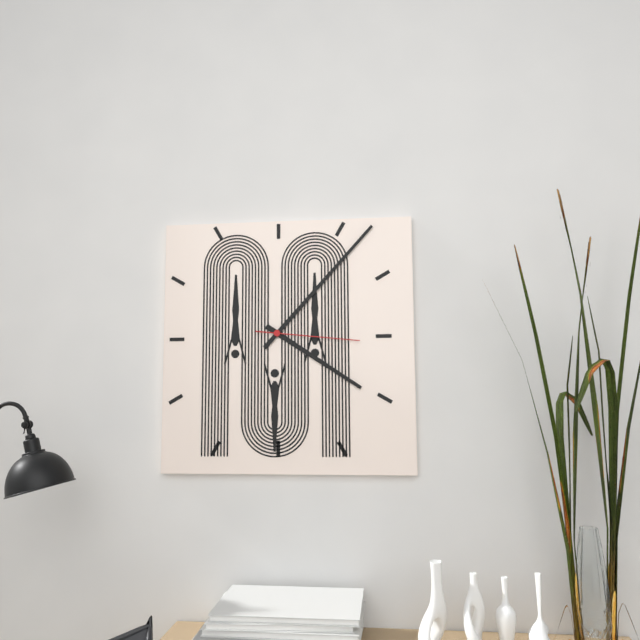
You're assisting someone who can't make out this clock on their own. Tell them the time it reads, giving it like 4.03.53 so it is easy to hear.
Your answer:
4.07.16
